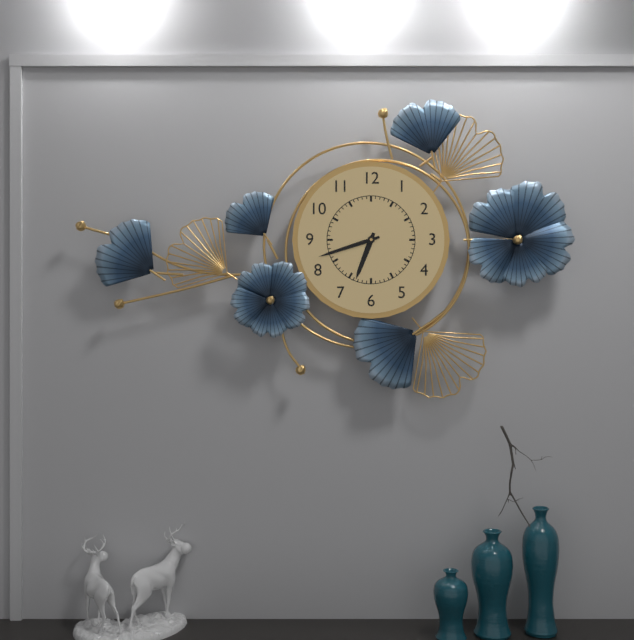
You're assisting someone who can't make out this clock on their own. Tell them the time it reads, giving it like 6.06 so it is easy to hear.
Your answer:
6.42
